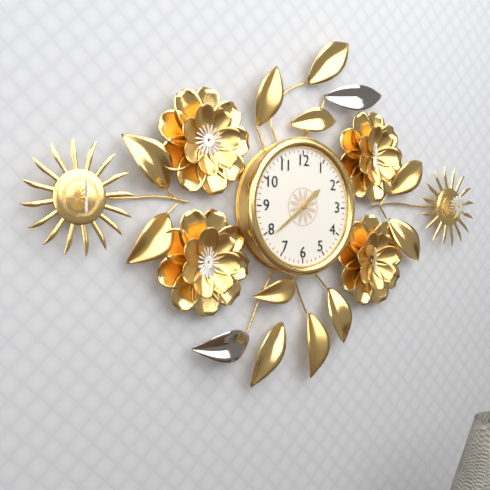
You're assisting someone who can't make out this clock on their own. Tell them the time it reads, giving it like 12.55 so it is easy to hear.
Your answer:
1.39
